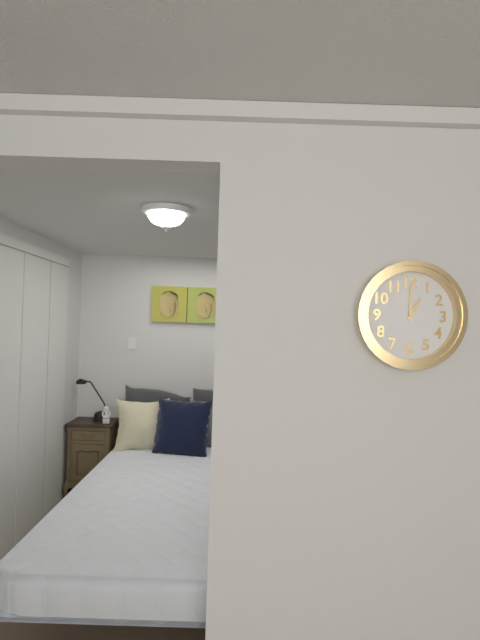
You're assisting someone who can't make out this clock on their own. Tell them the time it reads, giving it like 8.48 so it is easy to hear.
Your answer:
1.00
